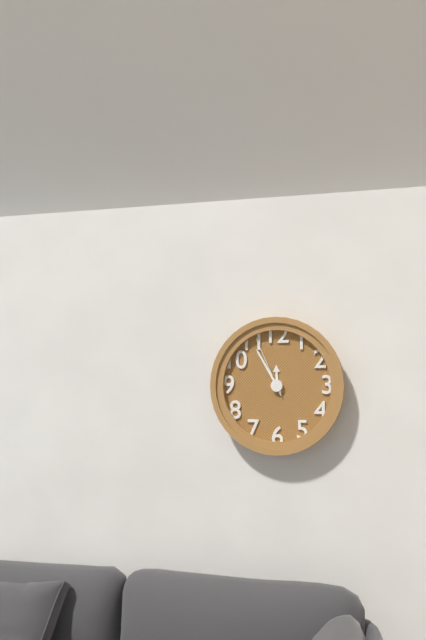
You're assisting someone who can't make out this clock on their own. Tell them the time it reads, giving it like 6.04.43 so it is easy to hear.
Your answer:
11.55.56
